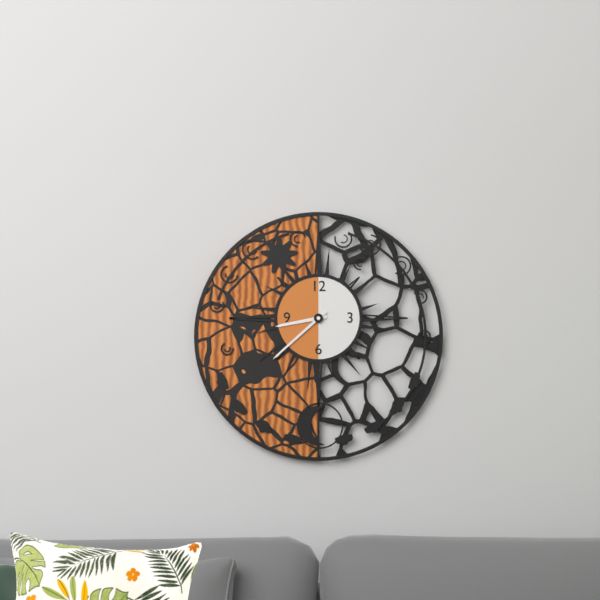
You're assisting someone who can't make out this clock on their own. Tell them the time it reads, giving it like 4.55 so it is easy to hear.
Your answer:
8.38
